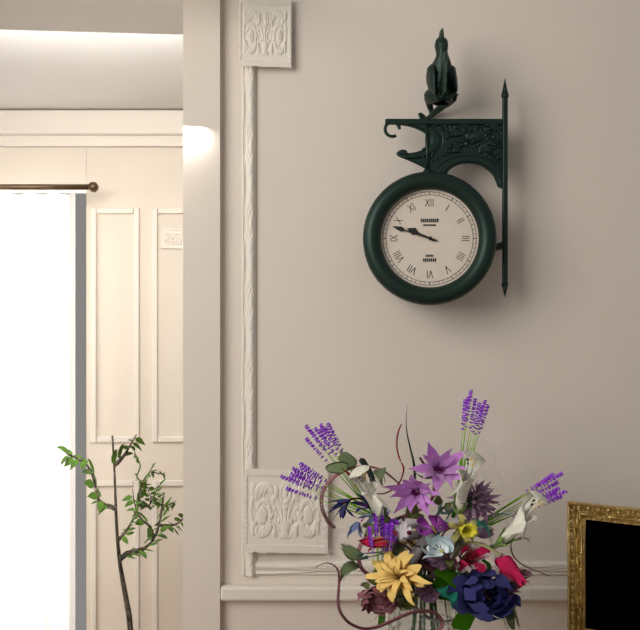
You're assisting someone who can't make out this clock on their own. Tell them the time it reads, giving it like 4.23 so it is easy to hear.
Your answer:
9.48
